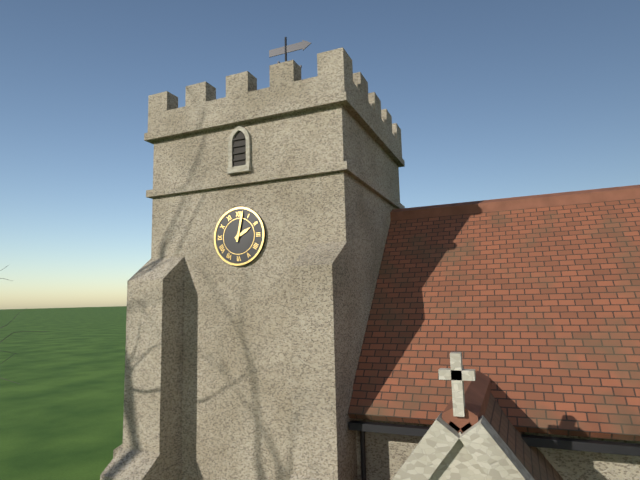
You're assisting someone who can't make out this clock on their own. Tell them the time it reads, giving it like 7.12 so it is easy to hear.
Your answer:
2.02
